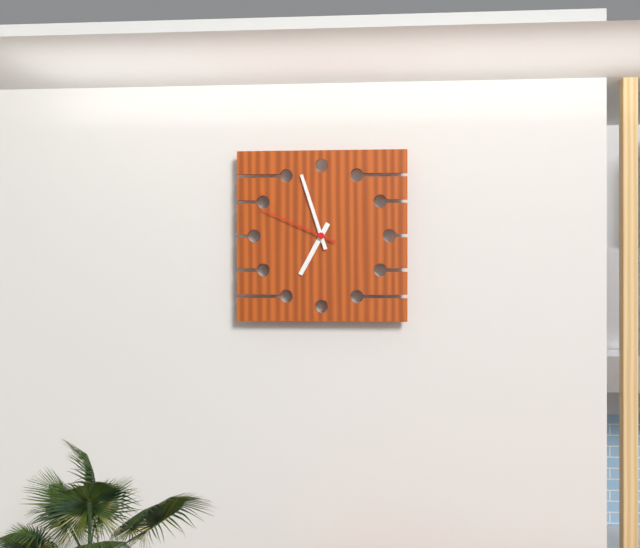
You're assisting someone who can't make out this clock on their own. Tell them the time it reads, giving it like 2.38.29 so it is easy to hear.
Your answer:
6.57.49
